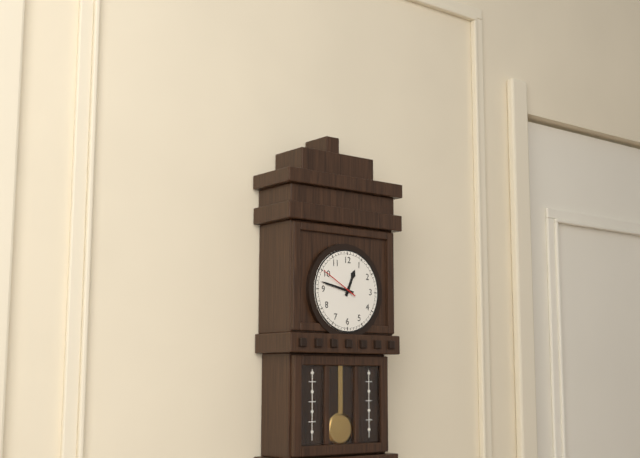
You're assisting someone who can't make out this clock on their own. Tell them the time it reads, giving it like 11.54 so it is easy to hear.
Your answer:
12.47
